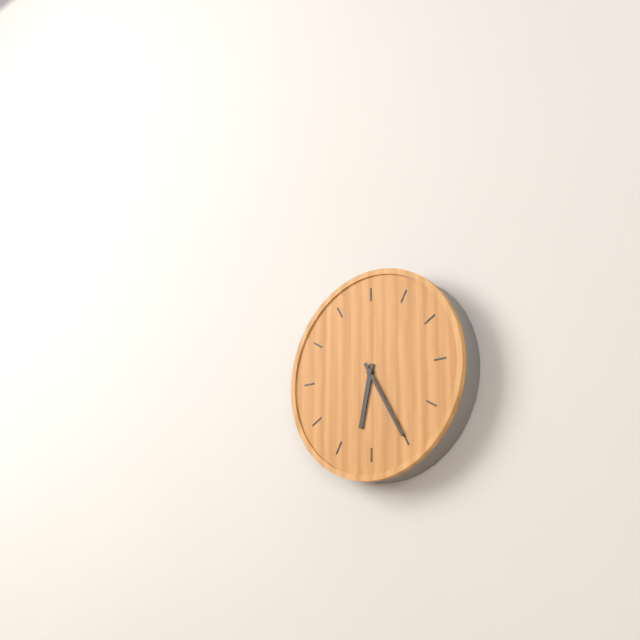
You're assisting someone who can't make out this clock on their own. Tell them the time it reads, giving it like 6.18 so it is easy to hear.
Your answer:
6.25
